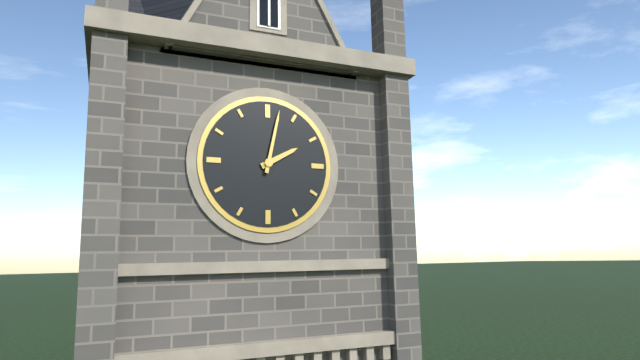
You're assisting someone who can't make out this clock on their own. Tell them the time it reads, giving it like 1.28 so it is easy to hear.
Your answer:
2.02
